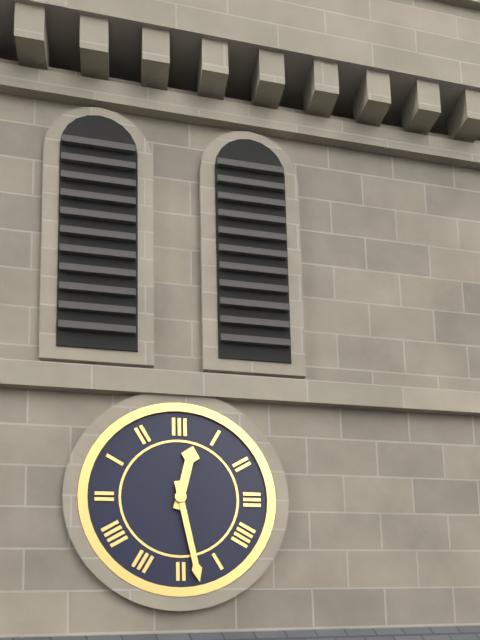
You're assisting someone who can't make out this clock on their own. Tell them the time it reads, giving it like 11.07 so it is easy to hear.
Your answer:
12.28
